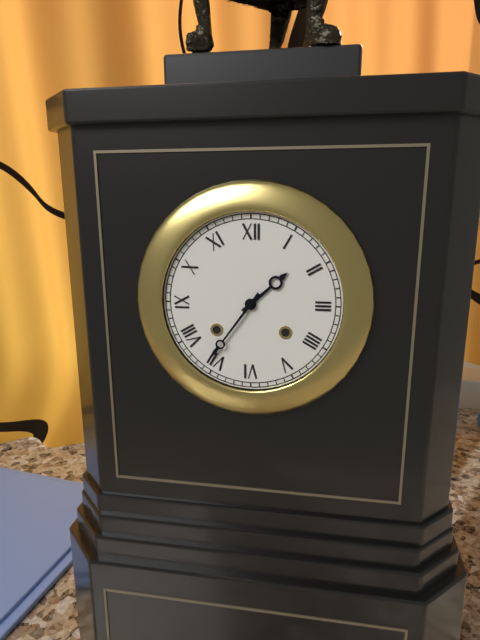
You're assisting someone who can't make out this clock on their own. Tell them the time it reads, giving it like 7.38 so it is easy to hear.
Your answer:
1.36
